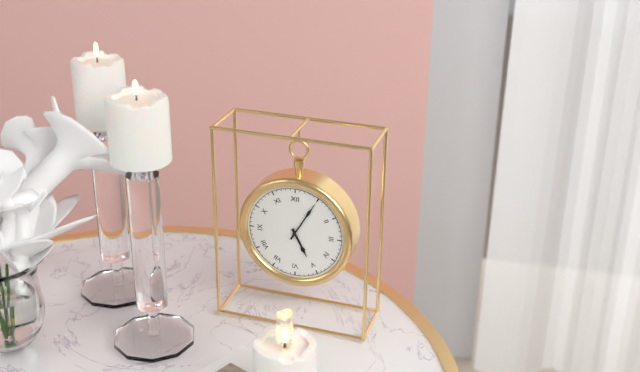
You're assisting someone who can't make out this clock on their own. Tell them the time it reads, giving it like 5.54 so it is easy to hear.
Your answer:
5.05
